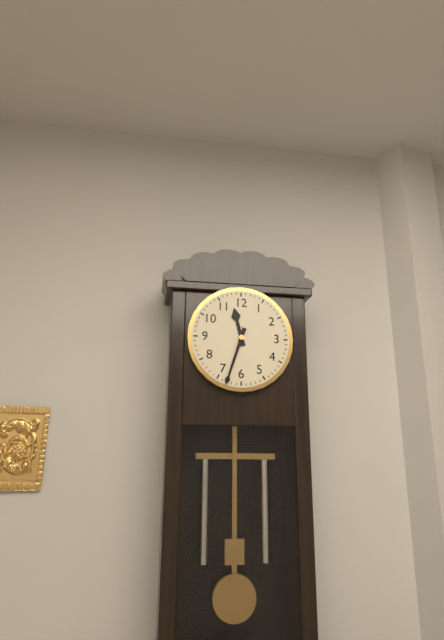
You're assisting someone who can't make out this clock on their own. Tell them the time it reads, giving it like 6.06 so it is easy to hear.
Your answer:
11.33
